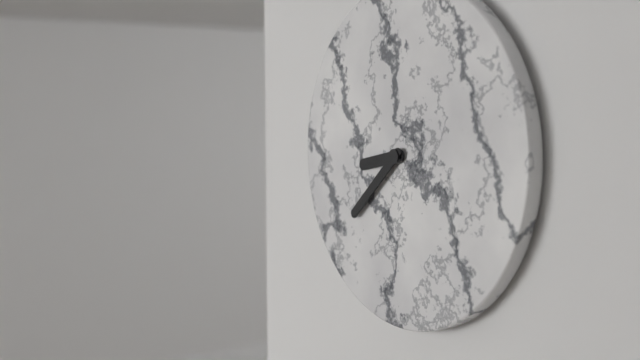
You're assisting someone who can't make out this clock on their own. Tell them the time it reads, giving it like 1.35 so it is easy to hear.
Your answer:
8.38
